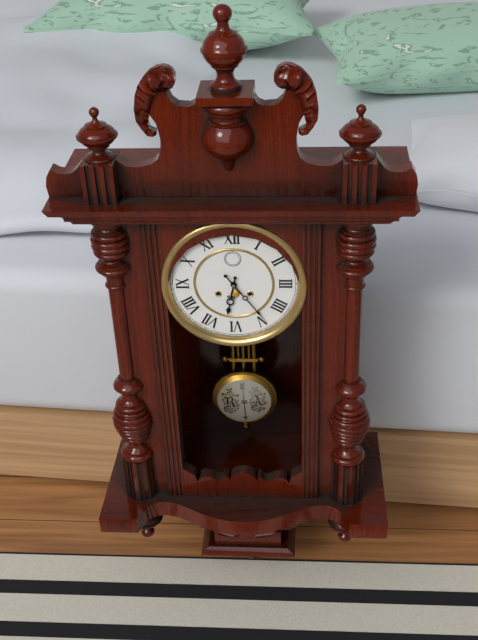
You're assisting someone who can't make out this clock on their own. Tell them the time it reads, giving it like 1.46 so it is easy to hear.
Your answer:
6.24
